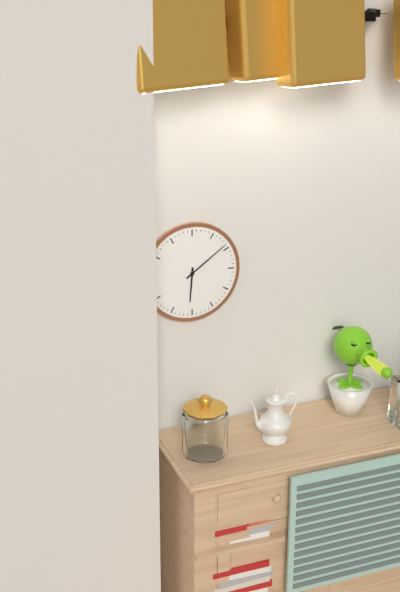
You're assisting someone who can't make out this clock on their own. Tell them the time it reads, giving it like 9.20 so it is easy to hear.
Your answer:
6.09
